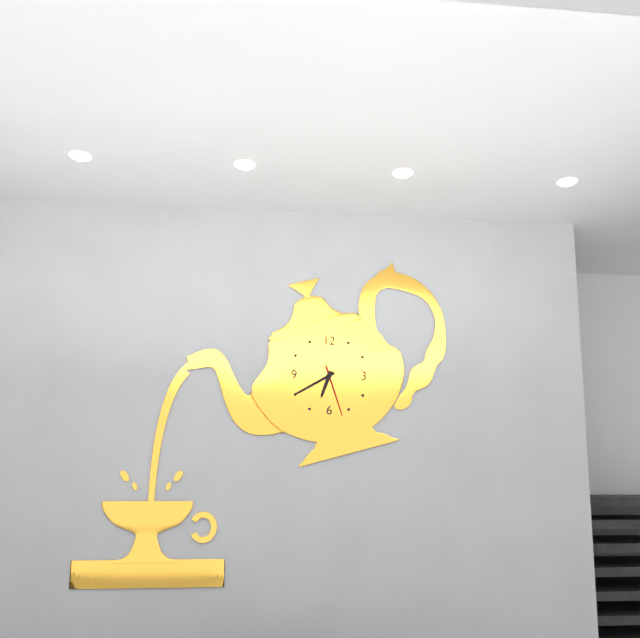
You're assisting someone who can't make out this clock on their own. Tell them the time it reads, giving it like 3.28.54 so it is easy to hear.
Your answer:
6.40.27
